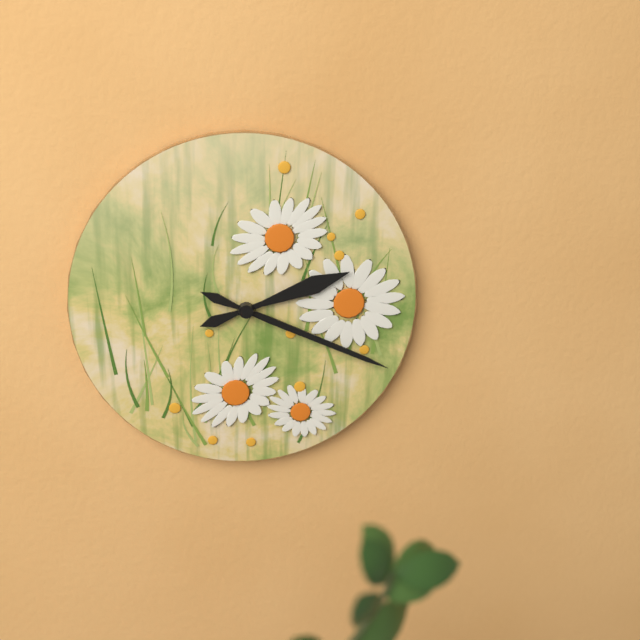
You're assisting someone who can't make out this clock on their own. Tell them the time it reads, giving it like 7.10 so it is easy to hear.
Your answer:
2.19
